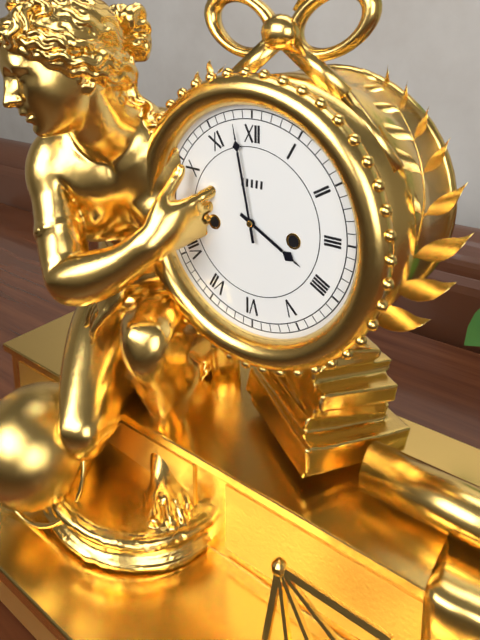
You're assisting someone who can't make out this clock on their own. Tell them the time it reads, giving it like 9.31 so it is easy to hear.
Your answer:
3.58
